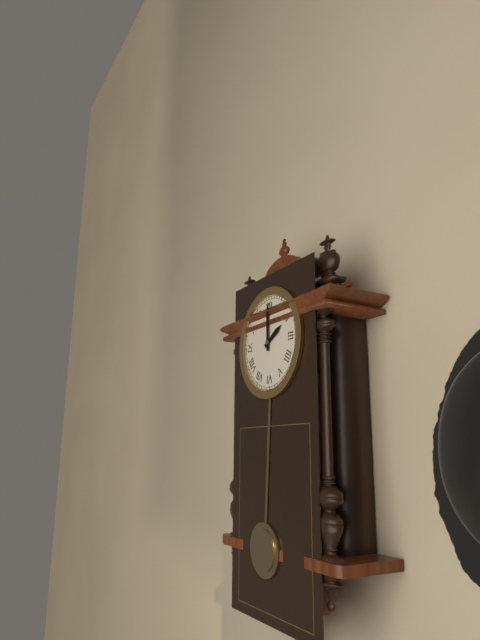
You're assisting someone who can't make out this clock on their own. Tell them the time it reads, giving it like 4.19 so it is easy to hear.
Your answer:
2.00
